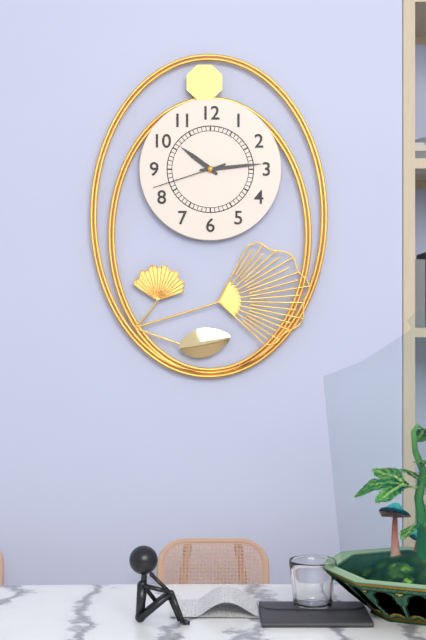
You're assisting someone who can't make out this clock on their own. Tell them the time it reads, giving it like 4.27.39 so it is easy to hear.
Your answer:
10.14.42
